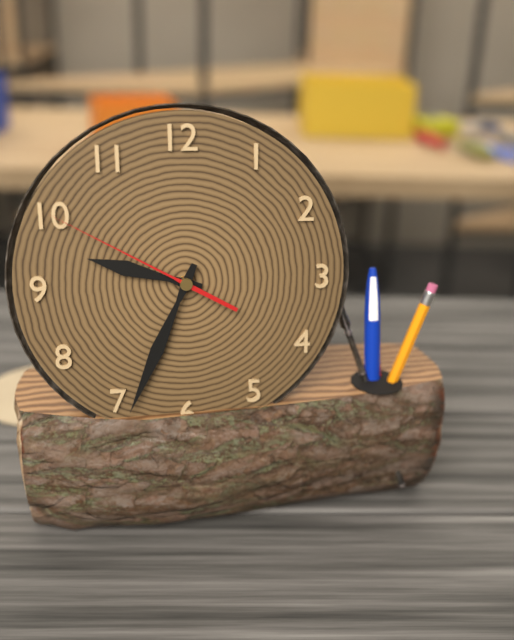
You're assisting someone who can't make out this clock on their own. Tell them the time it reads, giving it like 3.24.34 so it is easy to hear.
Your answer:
9.34.50
